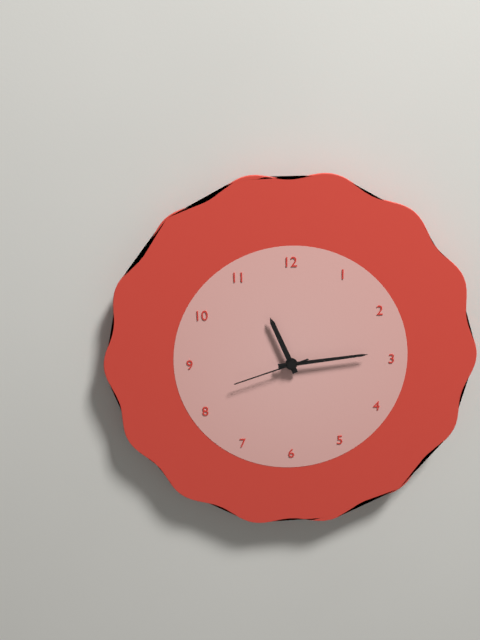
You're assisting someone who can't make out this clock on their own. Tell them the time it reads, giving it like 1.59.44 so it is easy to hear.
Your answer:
11.14.42
